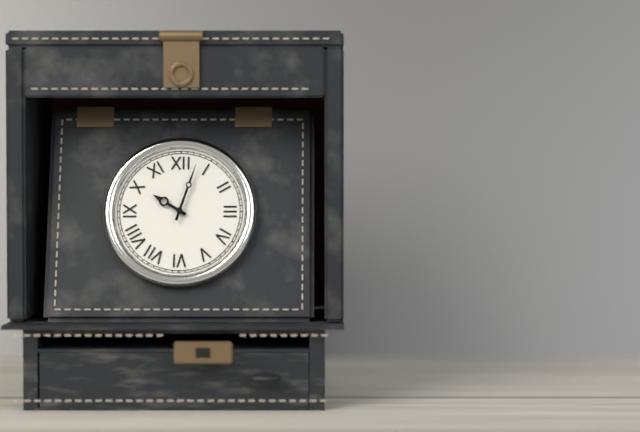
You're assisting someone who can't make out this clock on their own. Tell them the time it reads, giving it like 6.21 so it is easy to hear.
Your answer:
10.03
